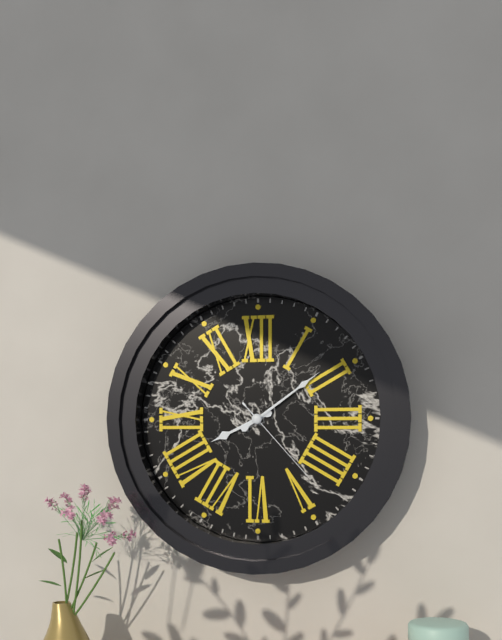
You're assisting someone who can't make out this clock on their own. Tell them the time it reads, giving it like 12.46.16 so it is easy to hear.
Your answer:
8.09.23
